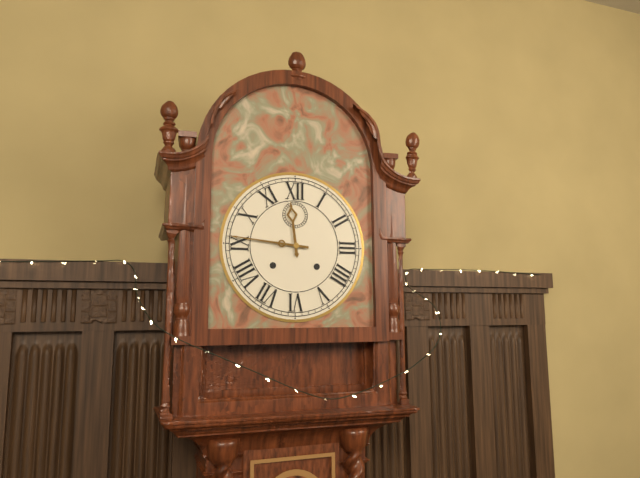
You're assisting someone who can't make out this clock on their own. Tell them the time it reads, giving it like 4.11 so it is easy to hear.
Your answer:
11.46
